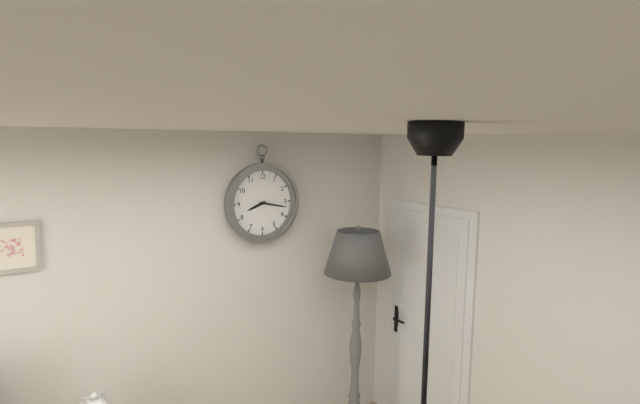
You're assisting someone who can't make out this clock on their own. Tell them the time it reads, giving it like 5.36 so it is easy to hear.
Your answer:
8.17
